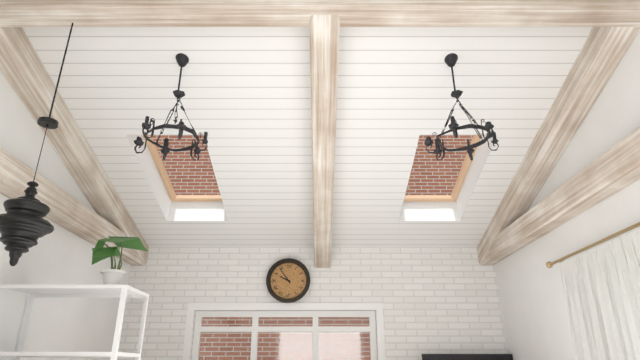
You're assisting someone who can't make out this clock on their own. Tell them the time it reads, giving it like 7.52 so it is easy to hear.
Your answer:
9.54
